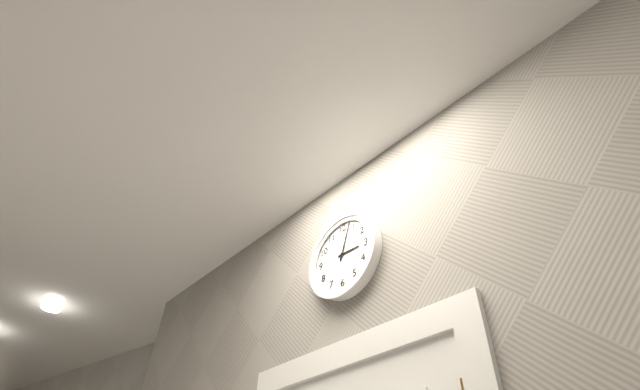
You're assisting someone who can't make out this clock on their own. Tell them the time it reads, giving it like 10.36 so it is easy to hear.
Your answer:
3.03
